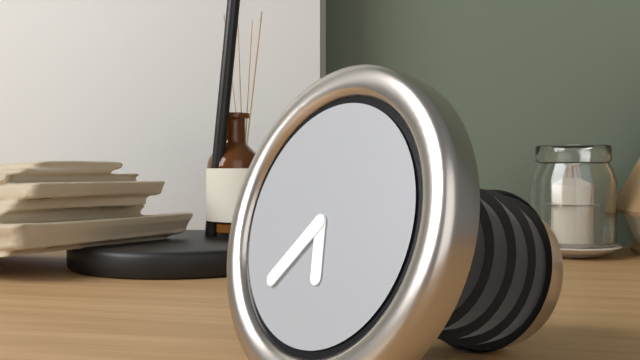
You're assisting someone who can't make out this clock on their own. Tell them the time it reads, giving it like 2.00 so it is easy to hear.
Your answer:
5.37
